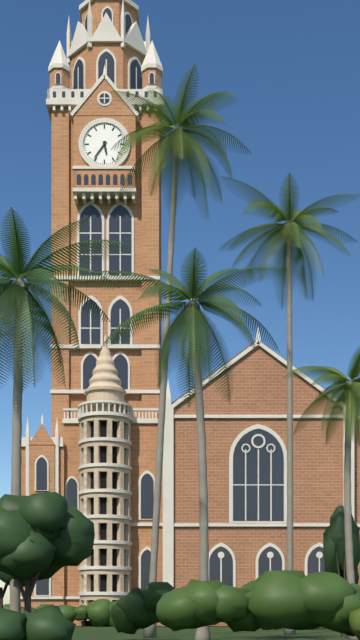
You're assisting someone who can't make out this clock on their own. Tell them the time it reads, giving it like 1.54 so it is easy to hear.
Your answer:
5.36
